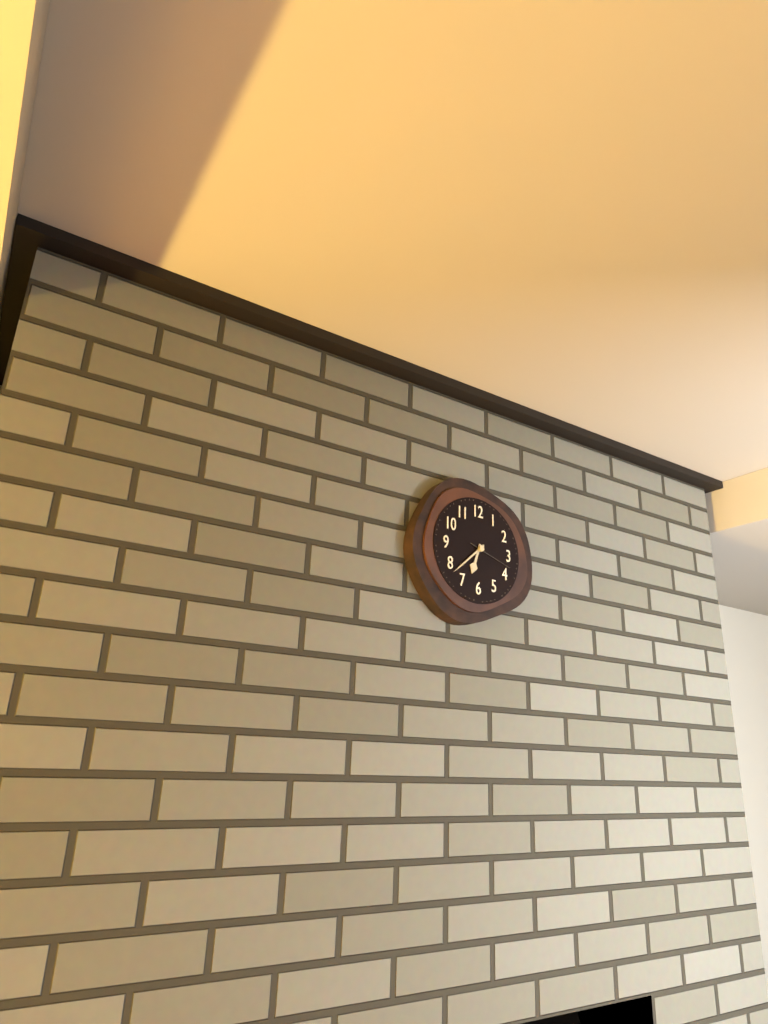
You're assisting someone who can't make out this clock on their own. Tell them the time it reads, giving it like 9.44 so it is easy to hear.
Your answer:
6.38
